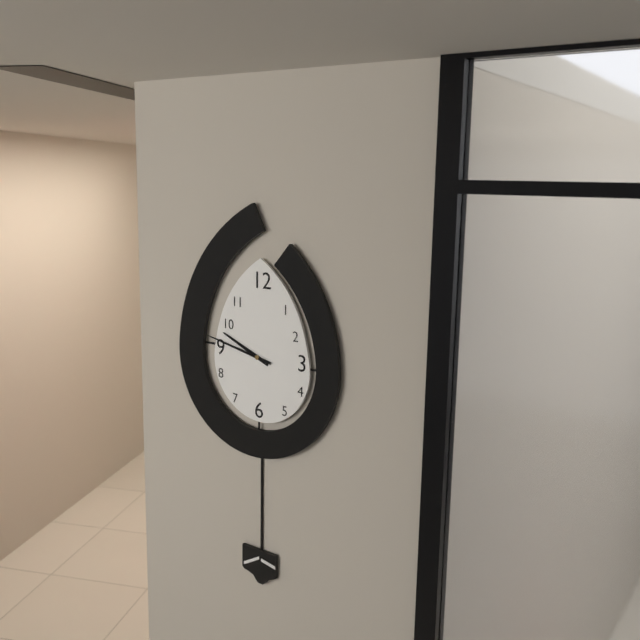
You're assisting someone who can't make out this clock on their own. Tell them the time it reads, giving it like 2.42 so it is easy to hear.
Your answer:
9.47
